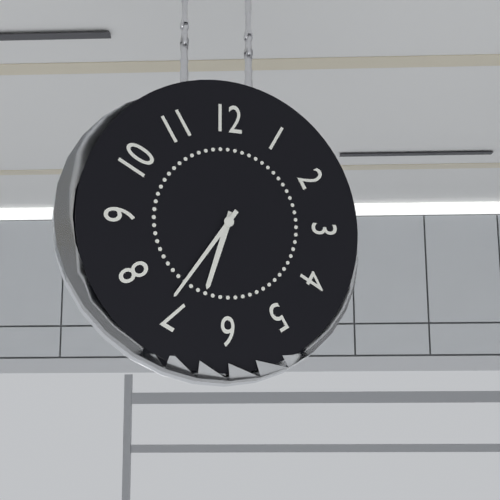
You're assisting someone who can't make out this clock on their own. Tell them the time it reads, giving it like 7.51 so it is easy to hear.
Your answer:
6.36
